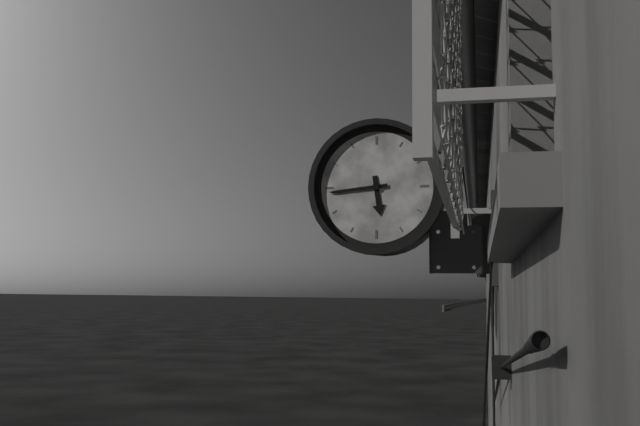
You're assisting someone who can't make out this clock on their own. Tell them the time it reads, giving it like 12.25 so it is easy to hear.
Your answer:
5.44
